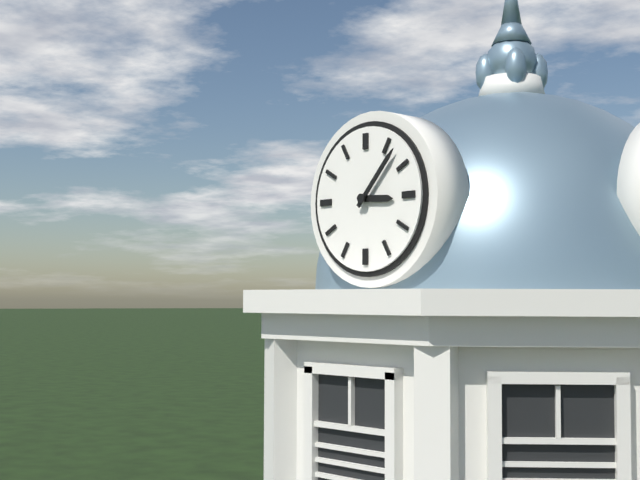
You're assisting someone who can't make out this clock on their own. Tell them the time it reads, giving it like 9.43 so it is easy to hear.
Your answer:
3.07
